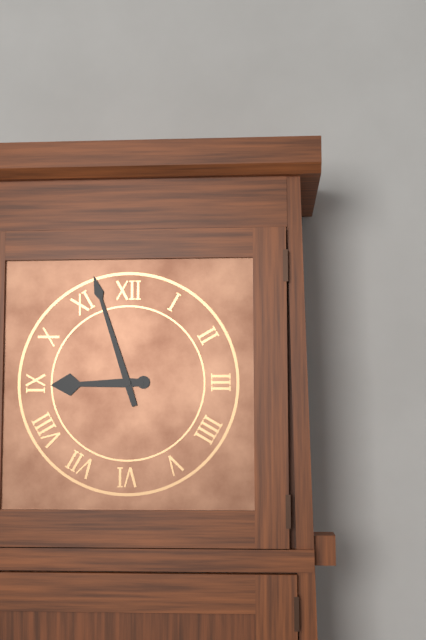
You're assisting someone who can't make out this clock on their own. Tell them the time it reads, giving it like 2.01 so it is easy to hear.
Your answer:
8.57
